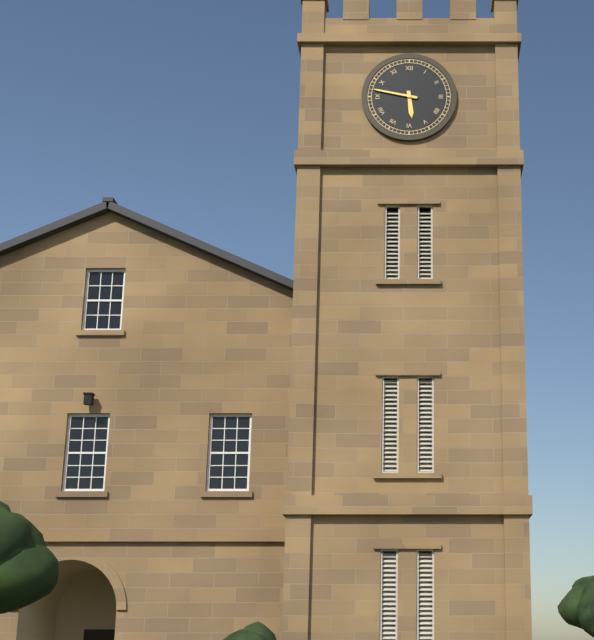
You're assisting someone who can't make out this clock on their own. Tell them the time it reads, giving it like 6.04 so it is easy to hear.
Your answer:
5.47
